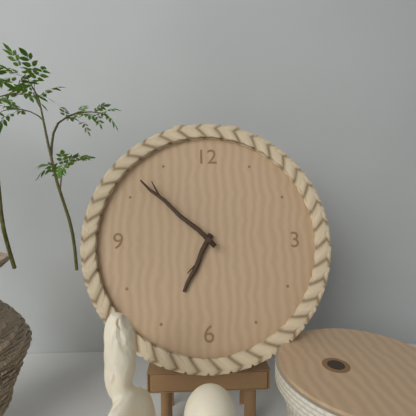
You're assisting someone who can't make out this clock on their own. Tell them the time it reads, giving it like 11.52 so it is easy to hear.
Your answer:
6.52
